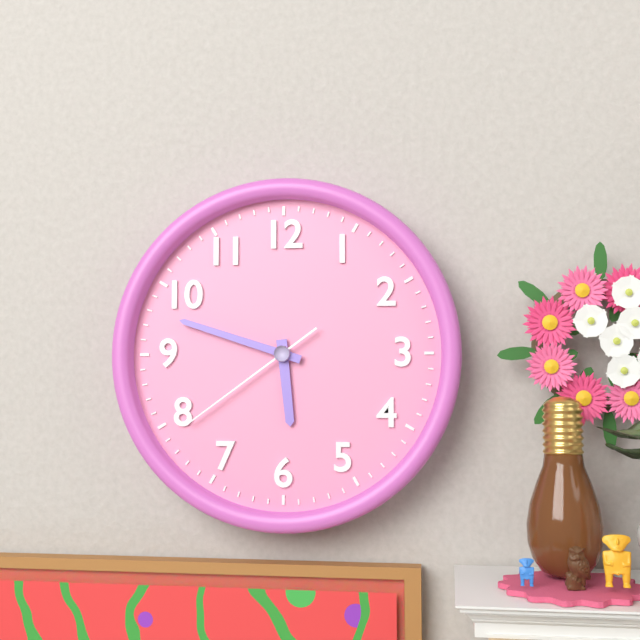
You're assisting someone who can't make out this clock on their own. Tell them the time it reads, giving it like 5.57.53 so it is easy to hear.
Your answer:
5.48.39
